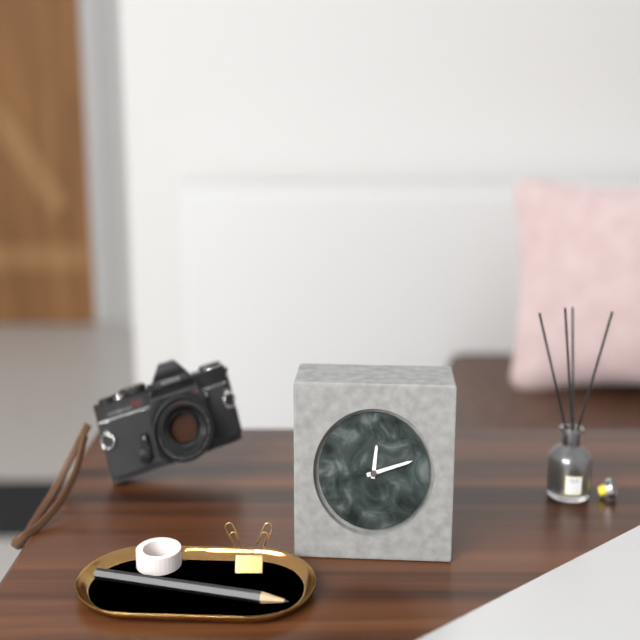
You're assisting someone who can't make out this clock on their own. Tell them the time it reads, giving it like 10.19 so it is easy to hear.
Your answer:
12.12
